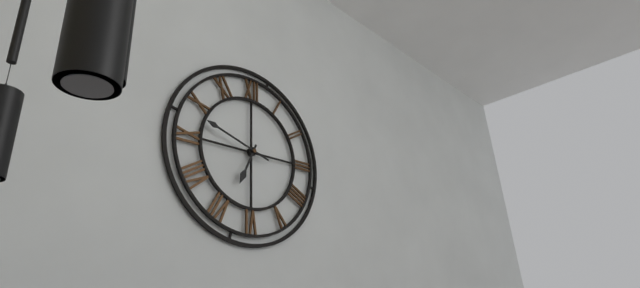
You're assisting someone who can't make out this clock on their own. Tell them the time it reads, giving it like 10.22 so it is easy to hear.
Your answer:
6.48
